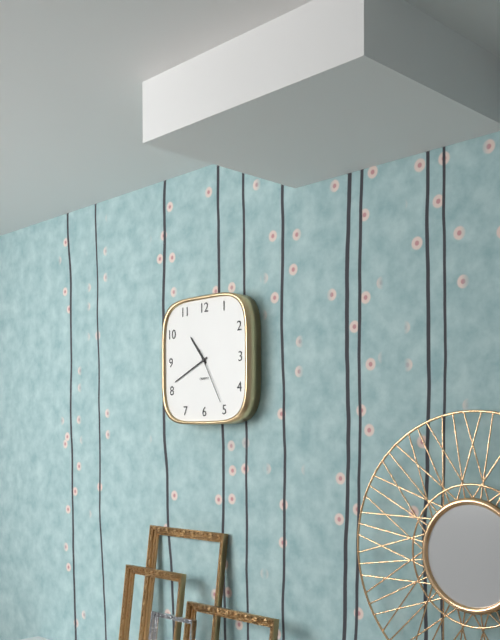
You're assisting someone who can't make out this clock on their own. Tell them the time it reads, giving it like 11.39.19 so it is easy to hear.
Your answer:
10.41.25
